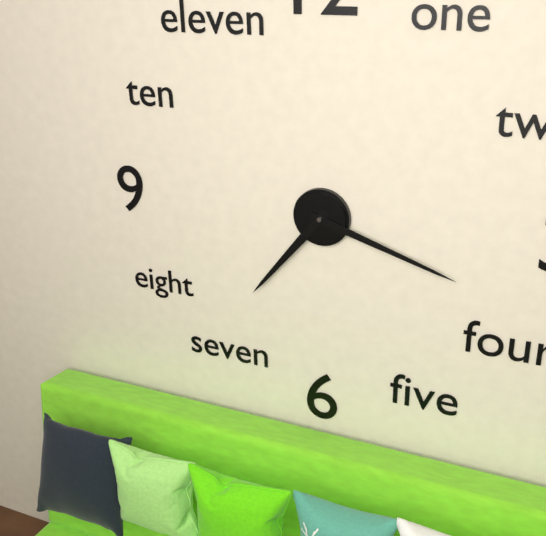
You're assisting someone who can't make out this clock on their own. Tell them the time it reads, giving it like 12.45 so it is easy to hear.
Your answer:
7.18
